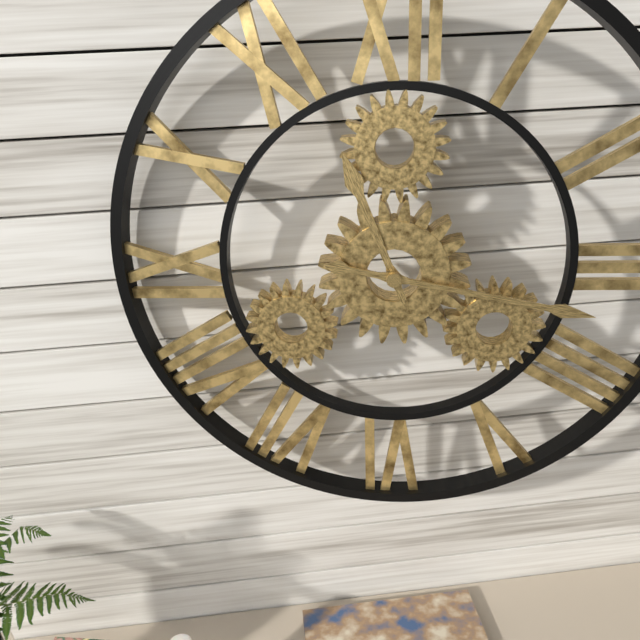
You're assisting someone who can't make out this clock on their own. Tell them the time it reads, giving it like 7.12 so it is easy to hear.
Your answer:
11.17
